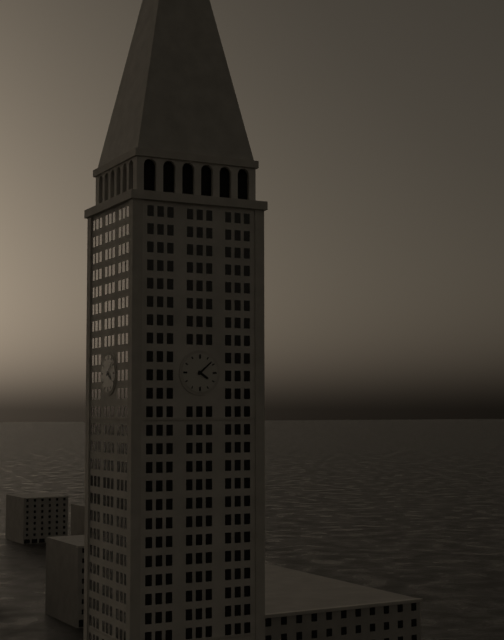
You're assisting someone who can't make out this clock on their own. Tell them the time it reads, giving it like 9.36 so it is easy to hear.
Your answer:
4.08
